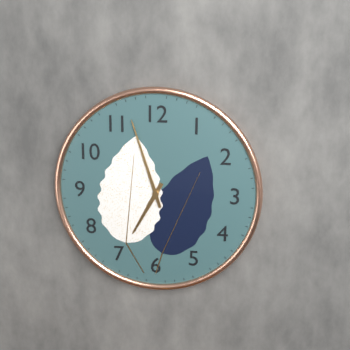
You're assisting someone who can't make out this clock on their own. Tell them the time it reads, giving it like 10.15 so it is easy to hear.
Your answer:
6.57
